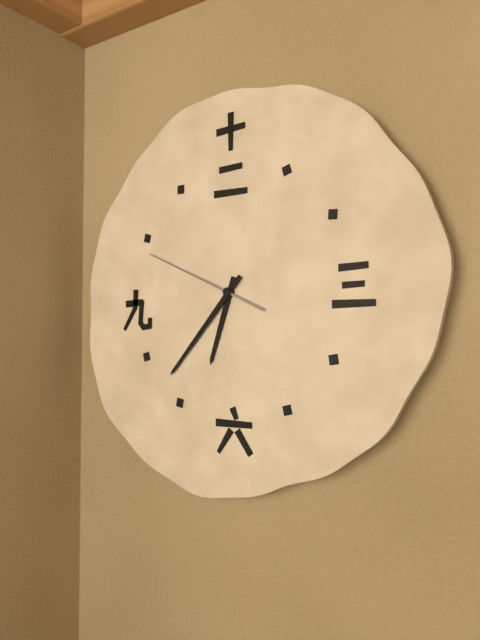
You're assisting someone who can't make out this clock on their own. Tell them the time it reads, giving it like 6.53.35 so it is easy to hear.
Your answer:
6.37.49
